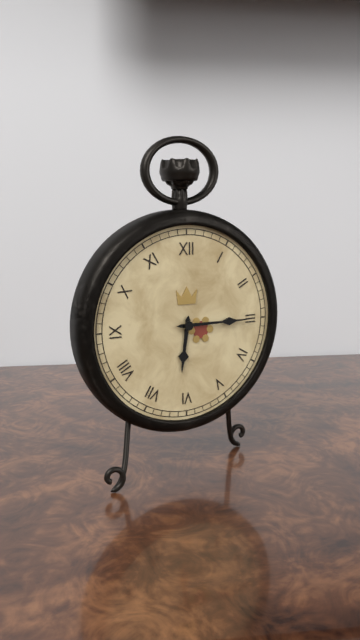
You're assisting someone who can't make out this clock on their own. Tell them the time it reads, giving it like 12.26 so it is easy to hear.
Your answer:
6.15
